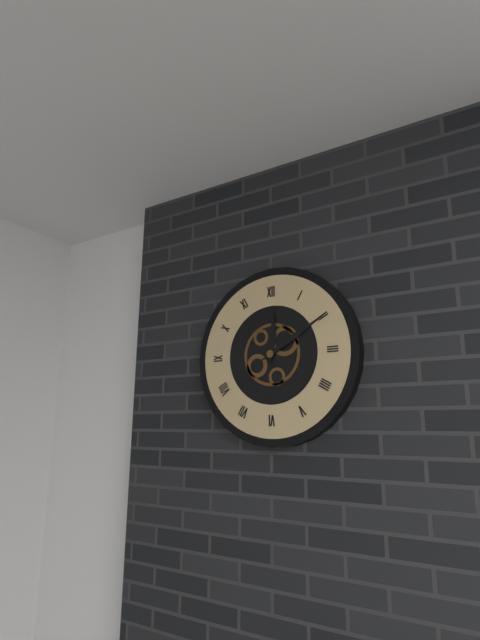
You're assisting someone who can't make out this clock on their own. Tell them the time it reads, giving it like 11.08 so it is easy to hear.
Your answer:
12.10
